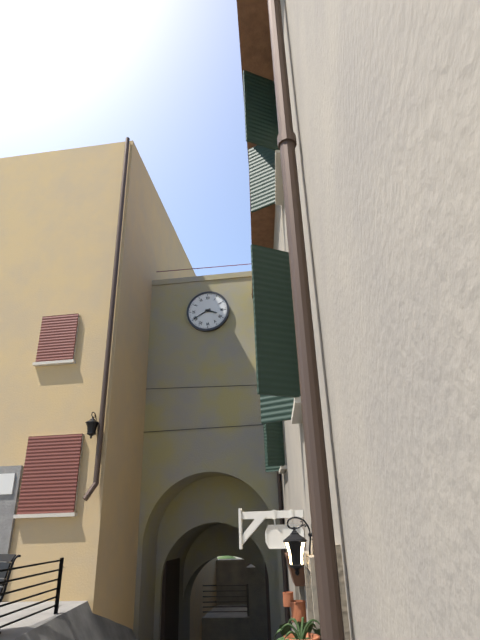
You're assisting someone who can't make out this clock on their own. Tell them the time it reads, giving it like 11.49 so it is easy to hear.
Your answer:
3.40
